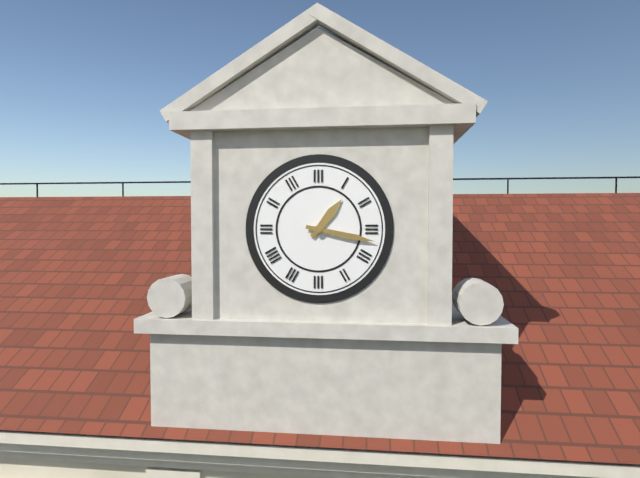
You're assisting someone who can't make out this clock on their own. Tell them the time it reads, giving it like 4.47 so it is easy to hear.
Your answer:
1.17
